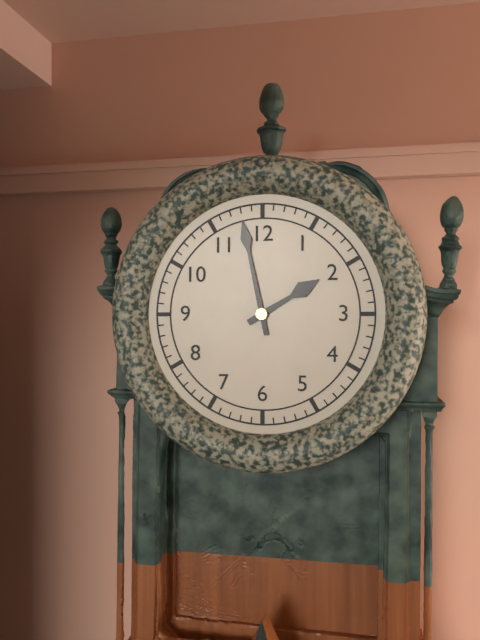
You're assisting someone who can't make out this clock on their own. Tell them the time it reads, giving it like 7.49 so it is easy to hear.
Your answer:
1.58
